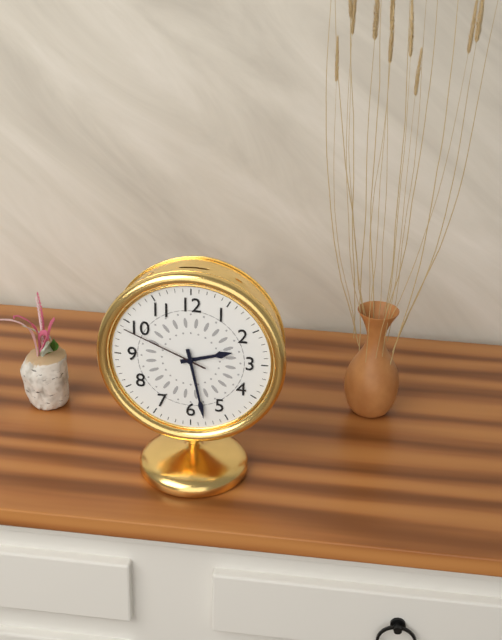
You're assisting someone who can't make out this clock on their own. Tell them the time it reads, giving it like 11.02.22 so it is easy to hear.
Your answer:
2.28.49
